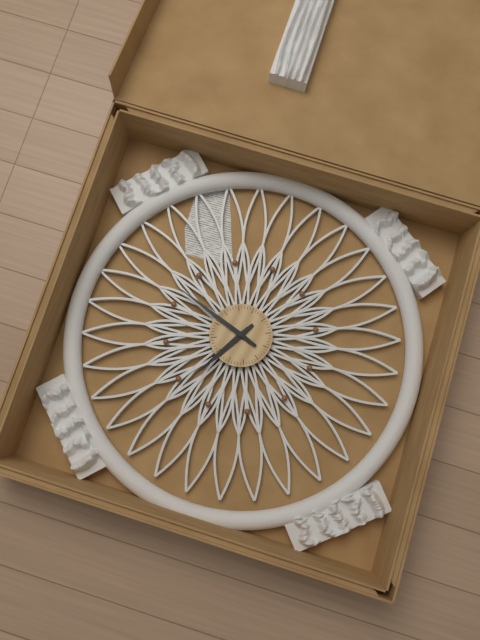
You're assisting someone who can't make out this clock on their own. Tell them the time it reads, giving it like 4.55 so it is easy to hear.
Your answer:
6.47
